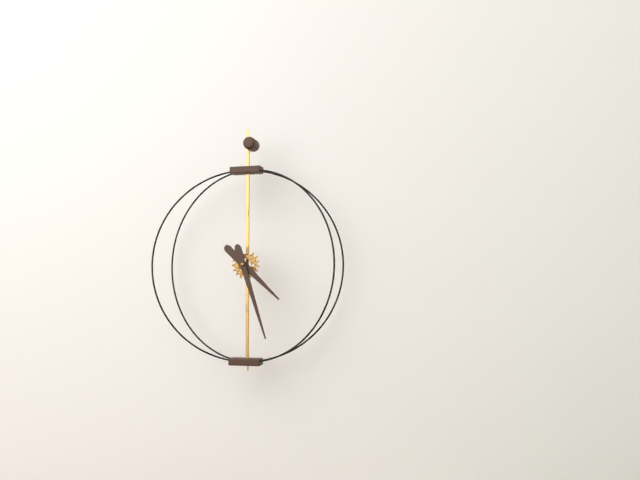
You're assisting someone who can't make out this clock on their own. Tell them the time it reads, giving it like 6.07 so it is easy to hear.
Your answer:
4.27
